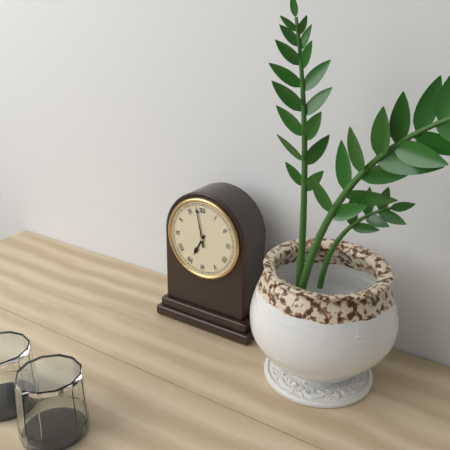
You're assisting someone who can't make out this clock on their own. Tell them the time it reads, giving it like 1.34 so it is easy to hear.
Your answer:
6.58
